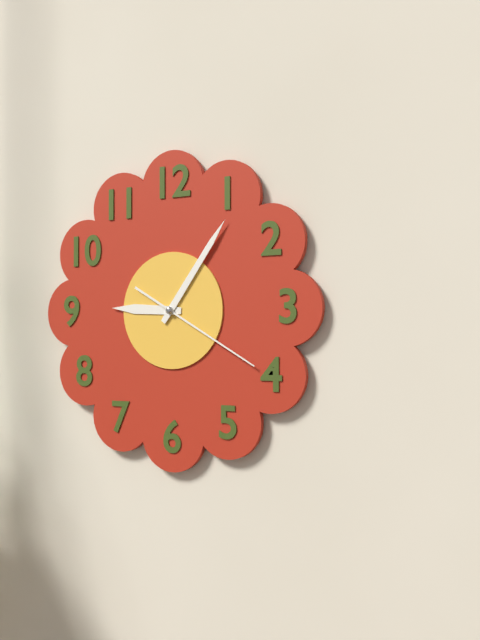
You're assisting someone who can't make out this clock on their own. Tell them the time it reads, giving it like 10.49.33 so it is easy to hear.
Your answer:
9.06.20
